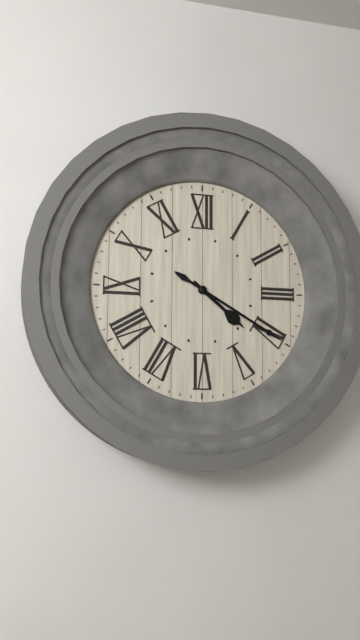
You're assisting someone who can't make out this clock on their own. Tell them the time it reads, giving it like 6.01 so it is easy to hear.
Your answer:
4.20
